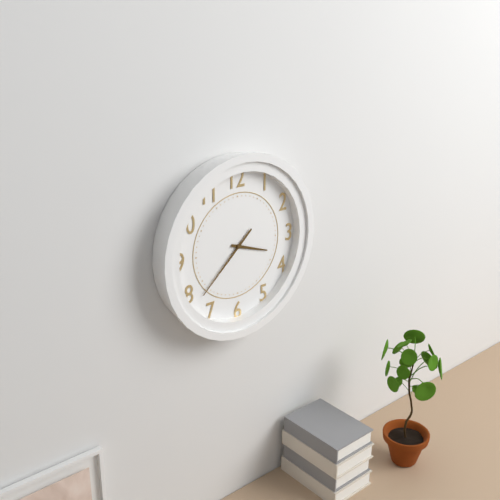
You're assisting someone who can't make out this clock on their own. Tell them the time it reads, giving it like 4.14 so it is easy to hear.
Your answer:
3.38
